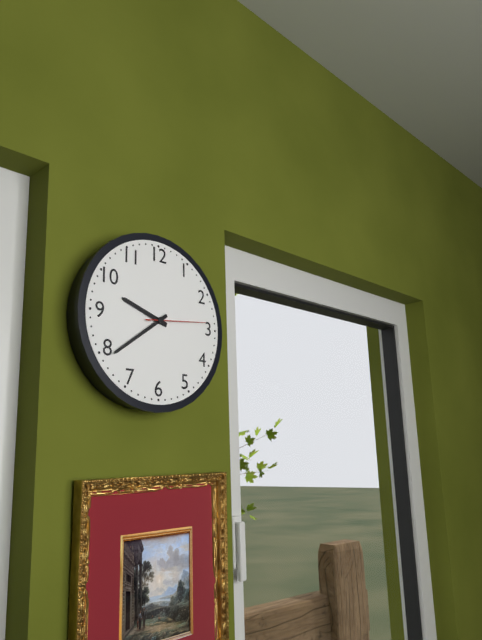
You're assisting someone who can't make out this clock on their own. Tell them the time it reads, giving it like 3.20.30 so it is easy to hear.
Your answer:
9.39.14
